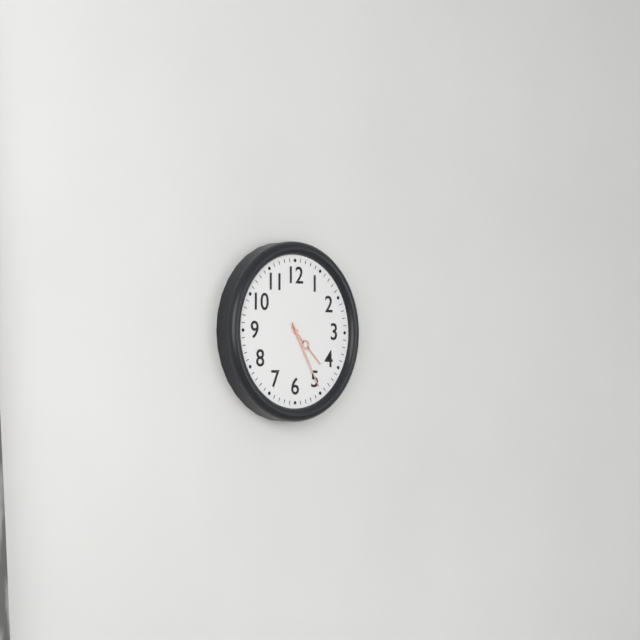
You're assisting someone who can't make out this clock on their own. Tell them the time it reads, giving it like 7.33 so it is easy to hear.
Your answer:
4.25
